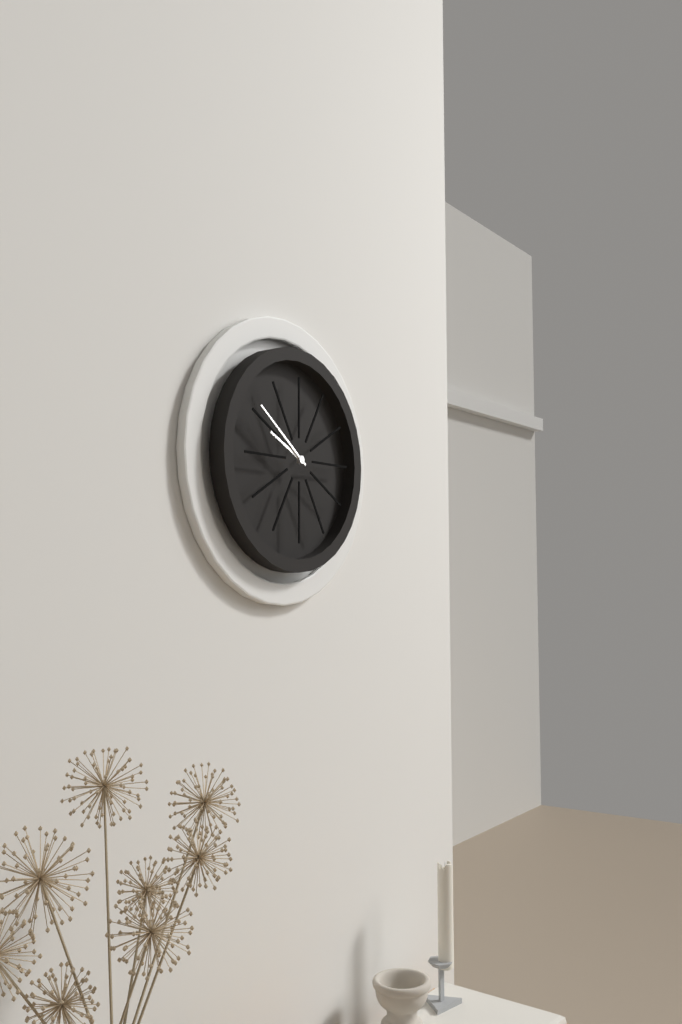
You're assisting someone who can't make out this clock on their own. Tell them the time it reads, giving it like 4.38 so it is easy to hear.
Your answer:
9.51
